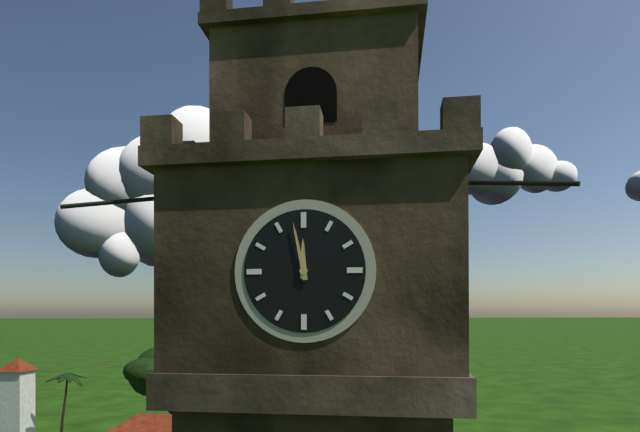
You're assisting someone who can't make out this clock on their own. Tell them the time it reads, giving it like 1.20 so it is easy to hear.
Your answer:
11.58
